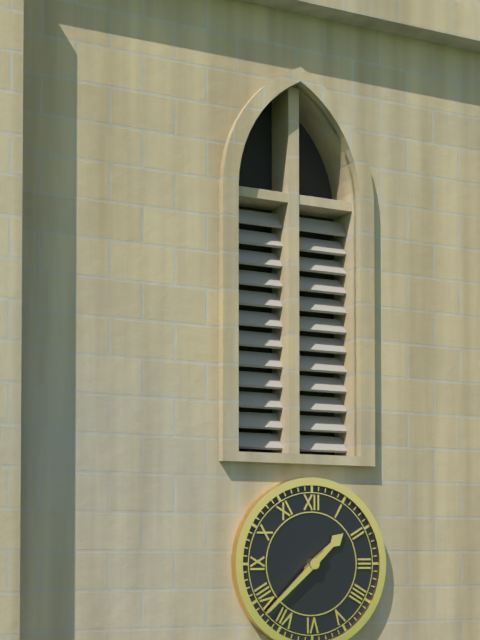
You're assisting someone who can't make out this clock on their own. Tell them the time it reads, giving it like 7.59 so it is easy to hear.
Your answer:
1.38
